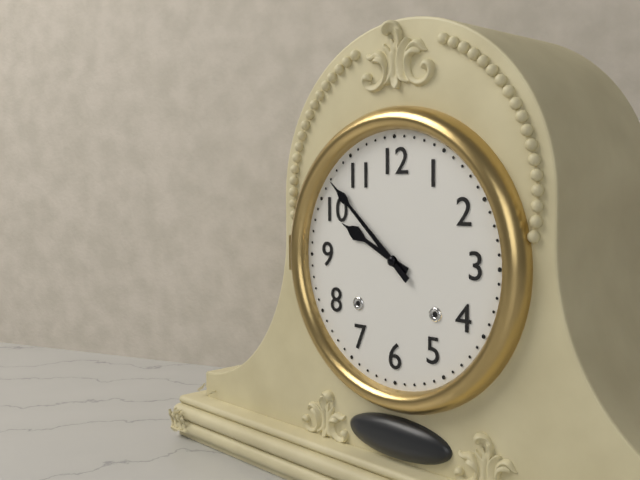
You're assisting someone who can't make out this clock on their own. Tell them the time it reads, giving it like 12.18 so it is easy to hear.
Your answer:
9.52
